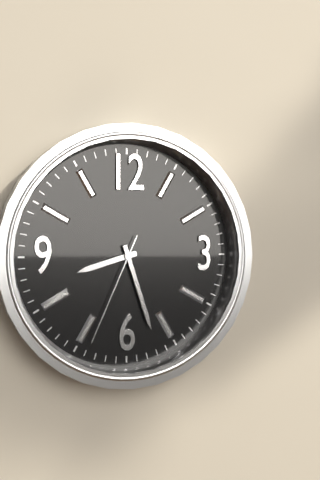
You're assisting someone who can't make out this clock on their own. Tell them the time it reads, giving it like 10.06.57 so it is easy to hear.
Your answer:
8.27.34
